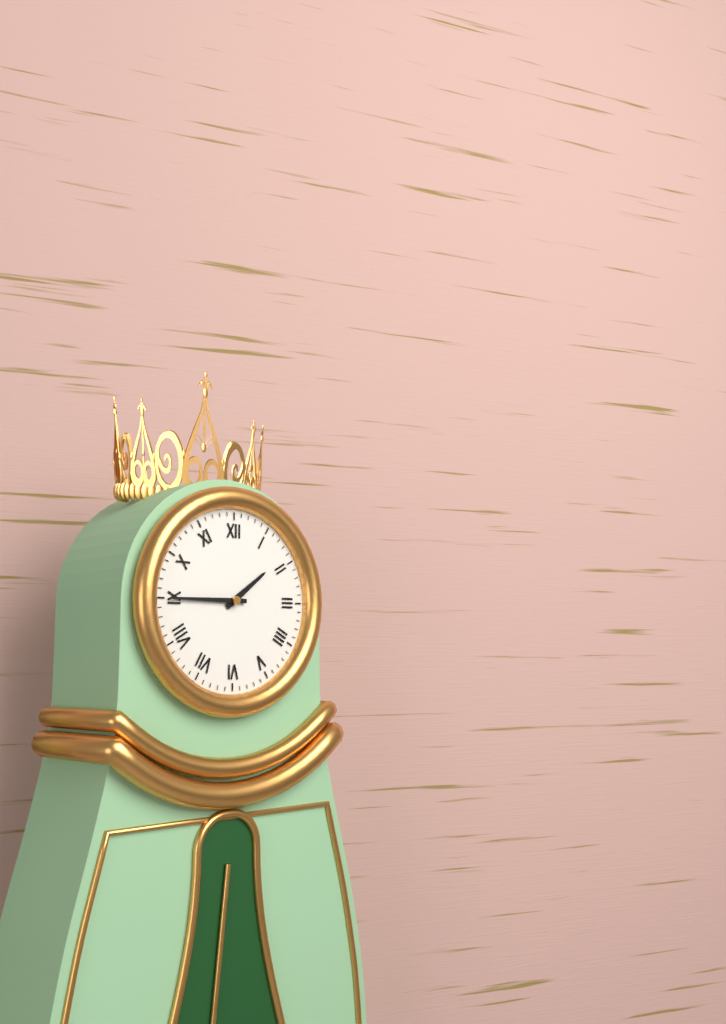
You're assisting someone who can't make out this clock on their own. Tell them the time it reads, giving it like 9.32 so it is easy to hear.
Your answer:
1.45
